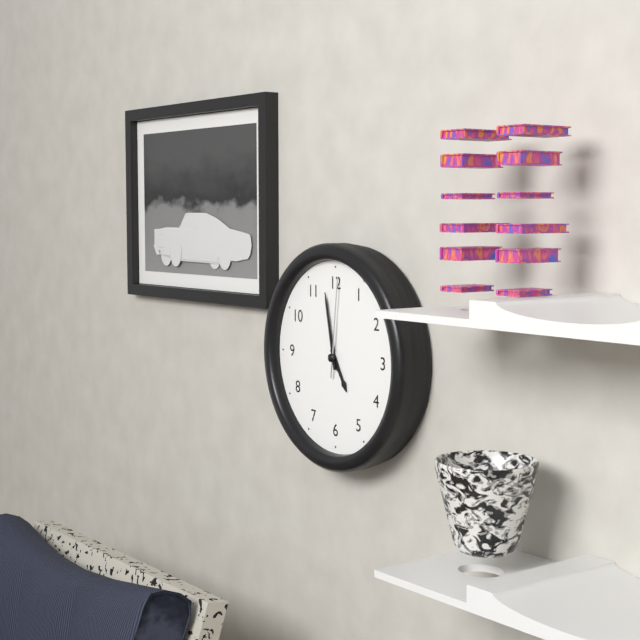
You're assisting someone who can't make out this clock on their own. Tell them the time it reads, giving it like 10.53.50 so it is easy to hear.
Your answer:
4.58.01
